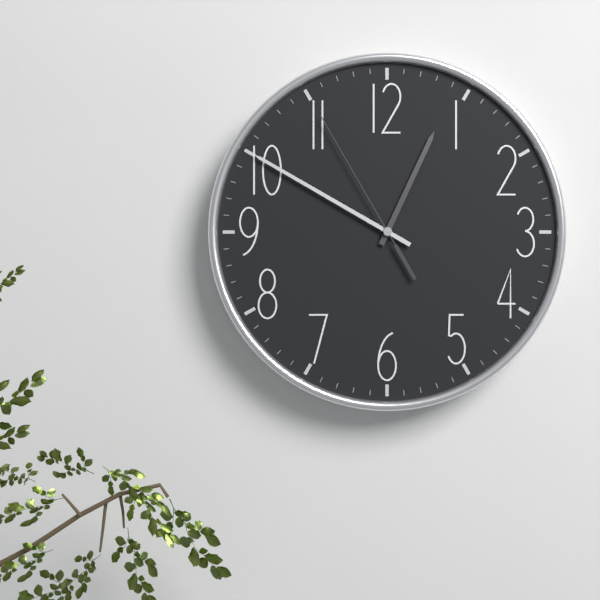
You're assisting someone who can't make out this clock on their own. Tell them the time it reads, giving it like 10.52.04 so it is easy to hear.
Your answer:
12.50.55
